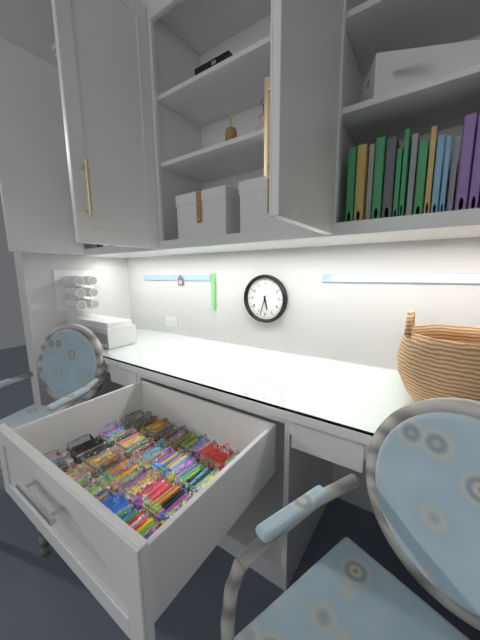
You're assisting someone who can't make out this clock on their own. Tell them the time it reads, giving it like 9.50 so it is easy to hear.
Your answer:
5.33
